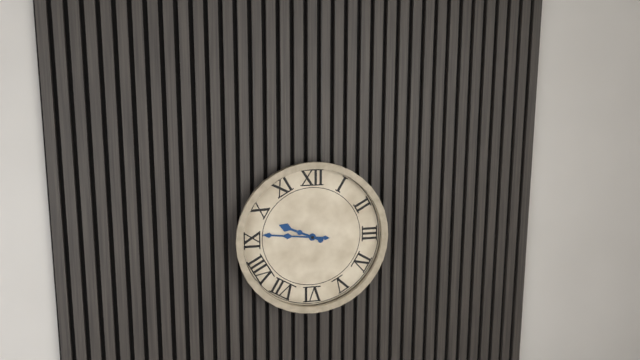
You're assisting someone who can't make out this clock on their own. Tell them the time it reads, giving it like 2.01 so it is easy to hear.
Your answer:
9.46
